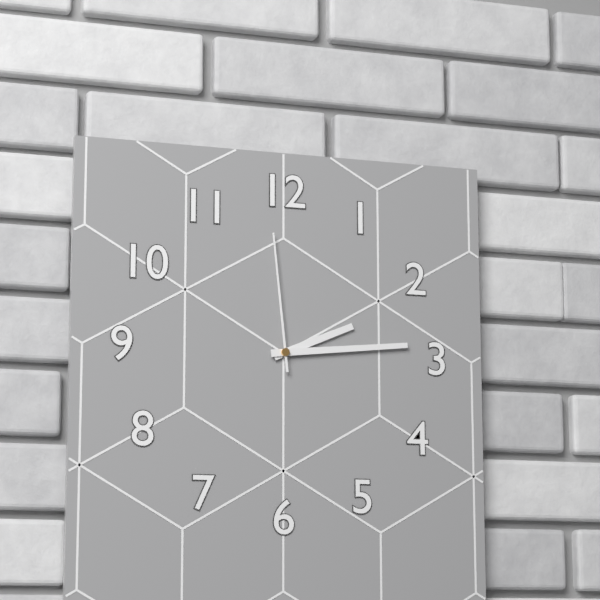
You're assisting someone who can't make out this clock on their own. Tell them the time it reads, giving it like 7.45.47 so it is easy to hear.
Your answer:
2.14.59
